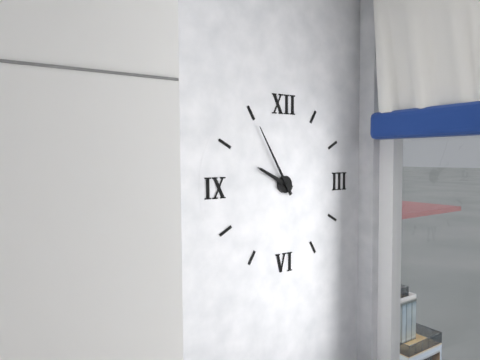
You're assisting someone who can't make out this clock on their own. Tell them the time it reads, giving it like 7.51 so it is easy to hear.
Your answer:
9.55
